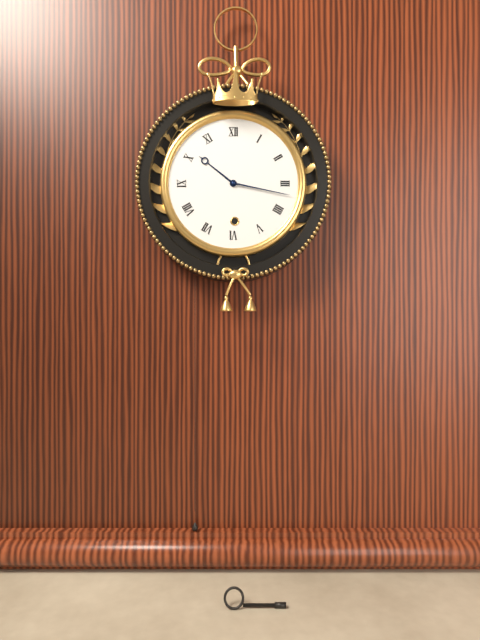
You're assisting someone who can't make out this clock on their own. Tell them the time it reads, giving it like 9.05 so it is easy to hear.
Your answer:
10.17
